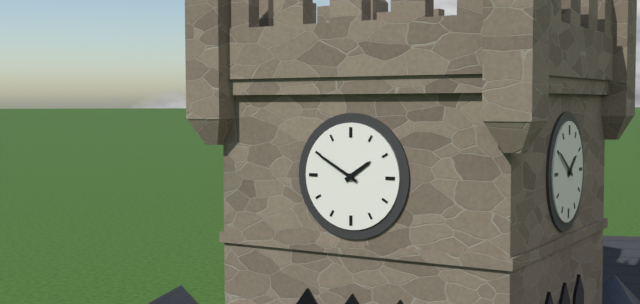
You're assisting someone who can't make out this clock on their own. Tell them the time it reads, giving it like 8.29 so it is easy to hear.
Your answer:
1.50
